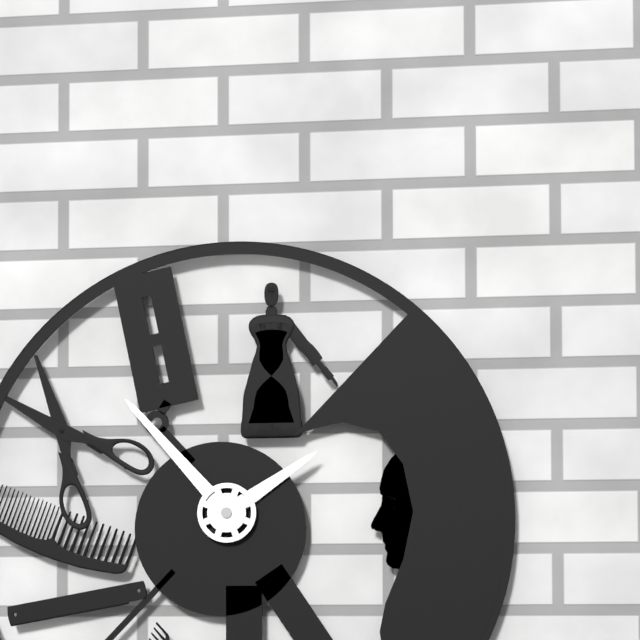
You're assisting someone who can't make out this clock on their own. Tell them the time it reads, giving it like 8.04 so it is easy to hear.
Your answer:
1.53
